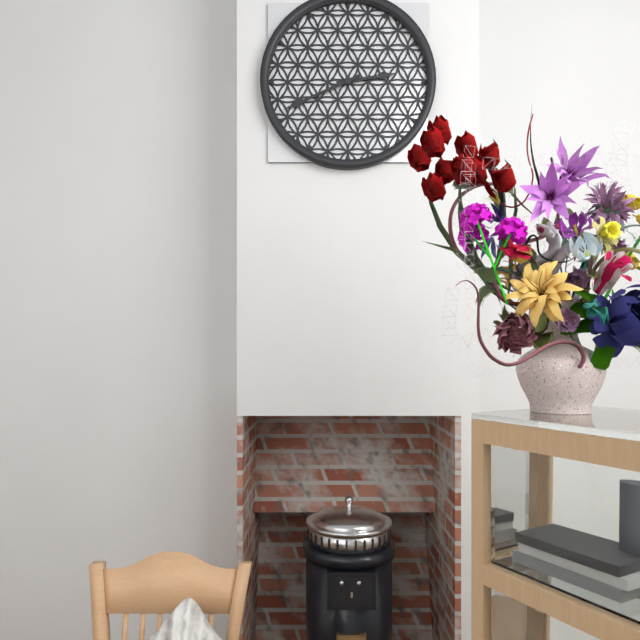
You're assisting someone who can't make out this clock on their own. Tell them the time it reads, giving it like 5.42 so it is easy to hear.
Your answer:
2.41
